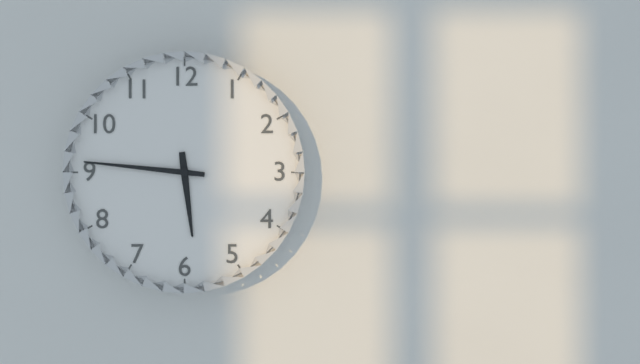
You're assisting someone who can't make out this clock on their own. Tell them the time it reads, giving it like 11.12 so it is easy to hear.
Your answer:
5.46
